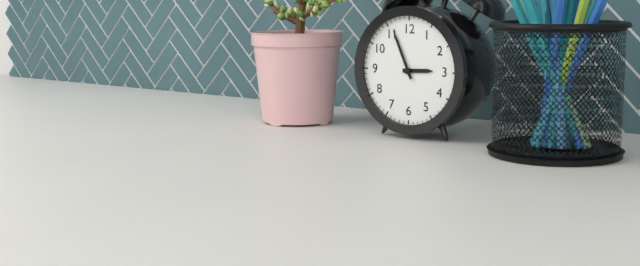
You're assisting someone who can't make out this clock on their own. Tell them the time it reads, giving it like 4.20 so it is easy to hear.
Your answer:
2.56
